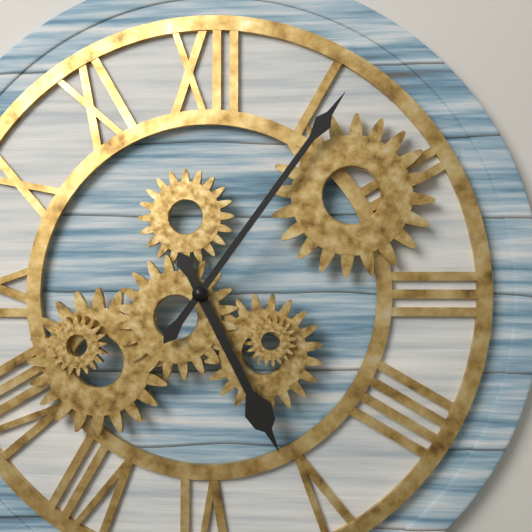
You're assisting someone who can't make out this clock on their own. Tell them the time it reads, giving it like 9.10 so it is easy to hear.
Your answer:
5.06
